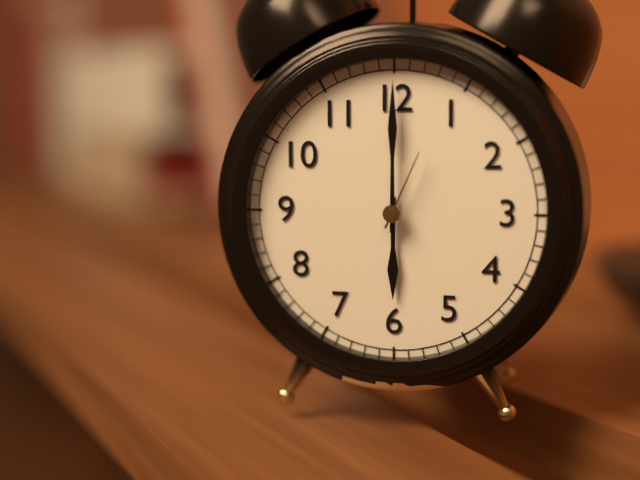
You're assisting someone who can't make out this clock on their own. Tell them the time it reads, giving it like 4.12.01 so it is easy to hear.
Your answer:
6.00.04
